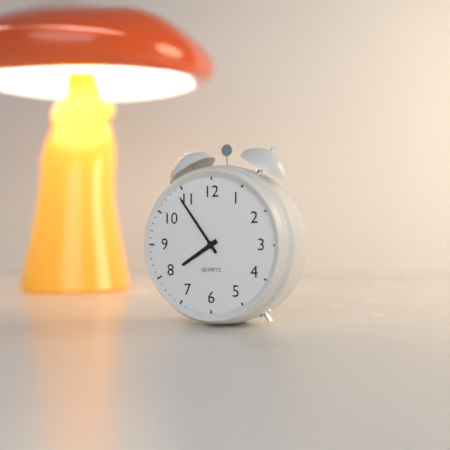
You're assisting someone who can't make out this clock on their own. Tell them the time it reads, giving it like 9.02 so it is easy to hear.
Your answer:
7.54
